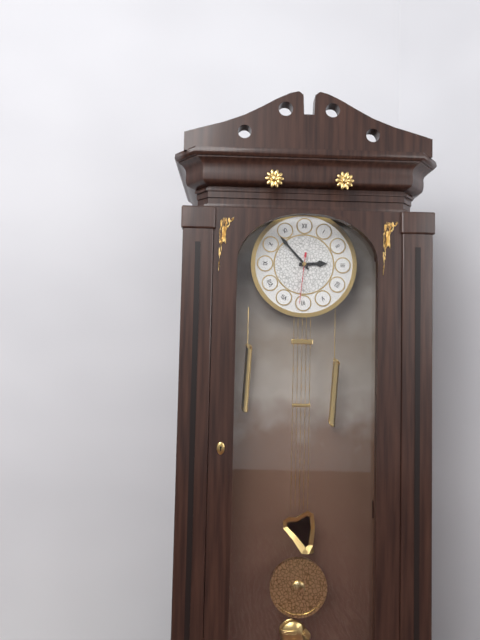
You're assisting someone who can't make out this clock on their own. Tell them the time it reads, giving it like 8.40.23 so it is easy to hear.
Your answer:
2.53.31
